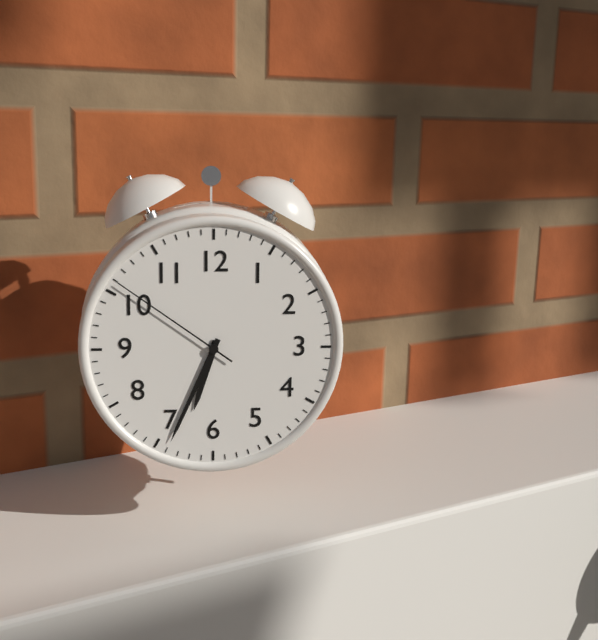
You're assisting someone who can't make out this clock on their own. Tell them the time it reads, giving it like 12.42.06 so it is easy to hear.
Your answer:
6.34.51
